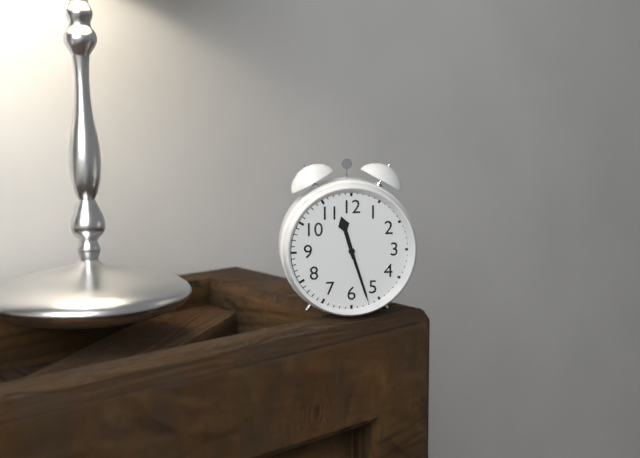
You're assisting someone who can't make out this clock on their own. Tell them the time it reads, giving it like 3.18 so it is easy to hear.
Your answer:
11.27
